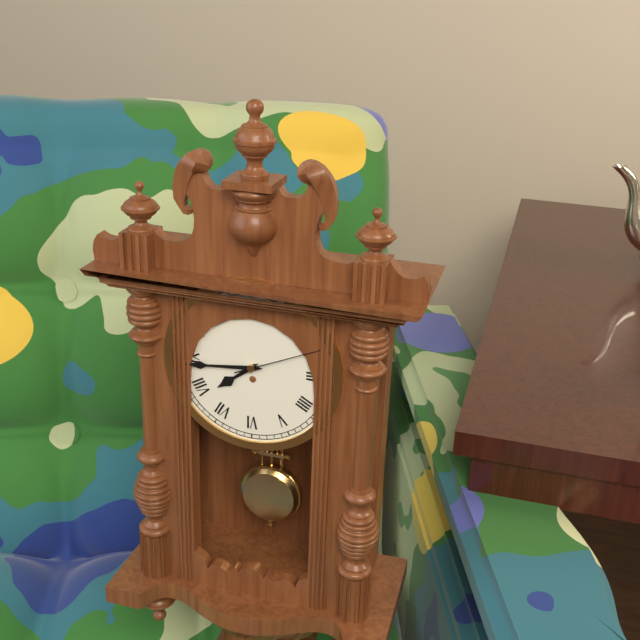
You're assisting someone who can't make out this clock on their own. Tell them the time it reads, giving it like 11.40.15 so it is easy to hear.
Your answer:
7.44.11
